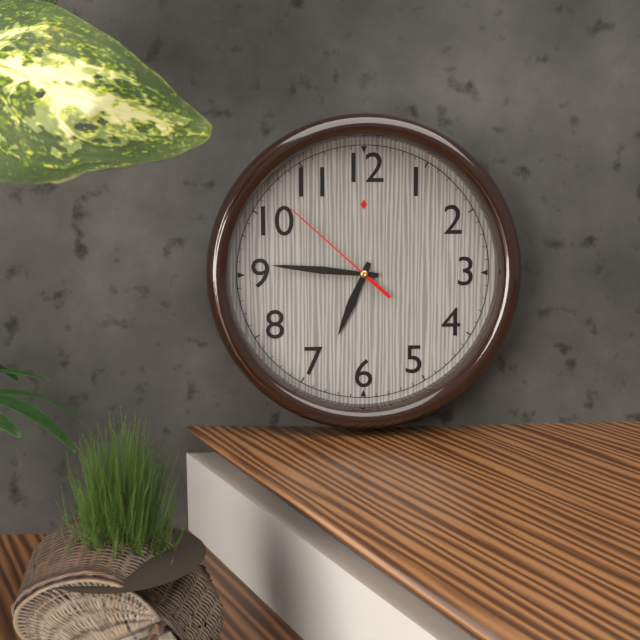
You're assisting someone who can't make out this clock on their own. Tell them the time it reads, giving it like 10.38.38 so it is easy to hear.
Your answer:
6.46.52
